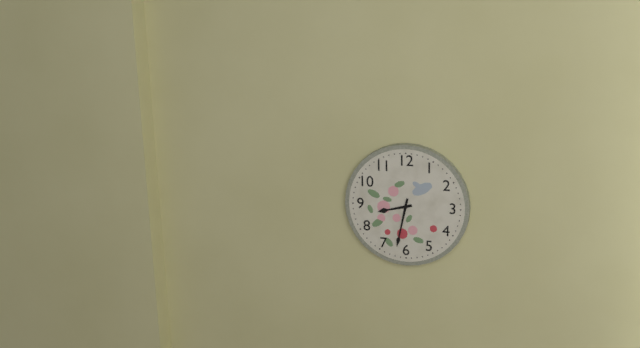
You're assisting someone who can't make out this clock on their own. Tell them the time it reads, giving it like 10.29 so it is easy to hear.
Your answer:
8.32
